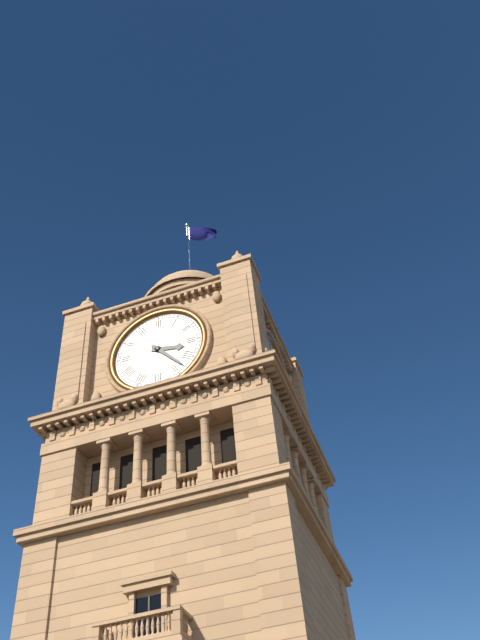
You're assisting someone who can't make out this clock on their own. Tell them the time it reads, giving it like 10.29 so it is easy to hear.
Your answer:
3.23
